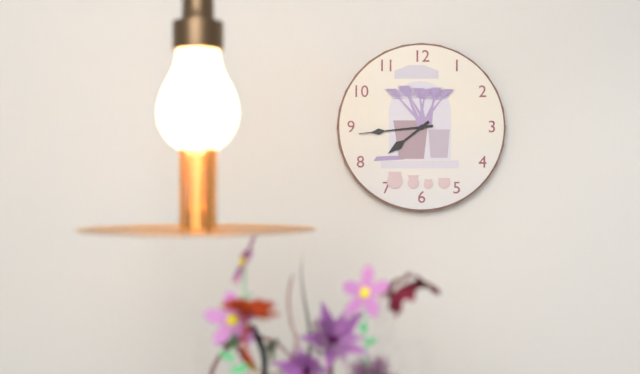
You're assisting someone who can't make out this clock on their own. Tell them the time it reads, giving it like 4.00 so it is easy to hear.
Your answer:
7.44
